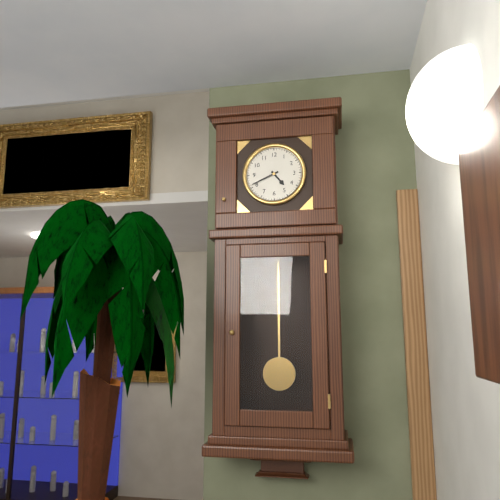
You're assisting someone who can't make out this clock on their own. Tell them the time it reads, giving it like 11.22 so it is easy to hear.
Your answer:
4.41
